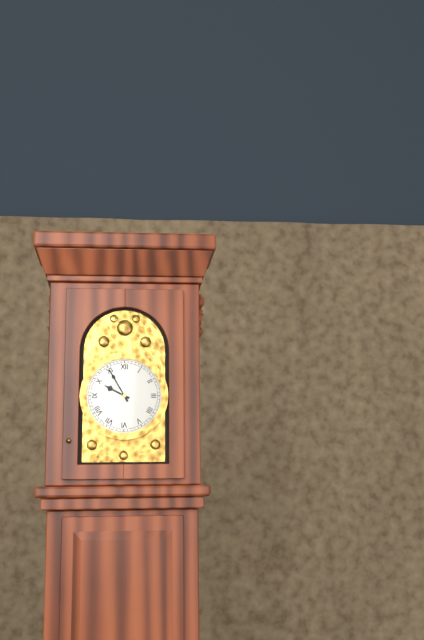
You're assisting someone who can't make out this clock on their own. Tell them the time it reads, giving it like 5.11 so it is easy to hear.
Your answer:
9.55
